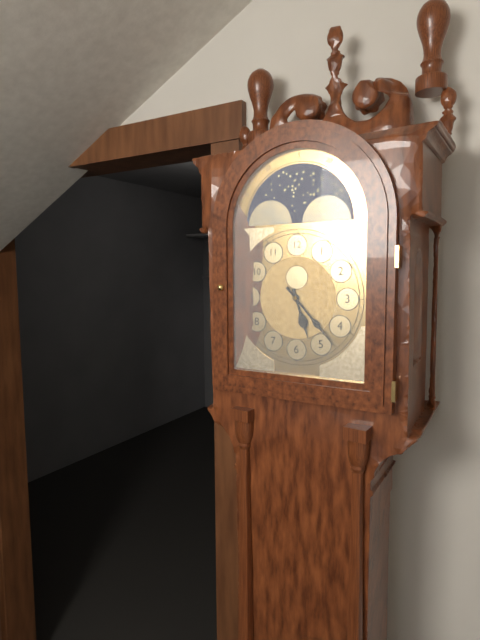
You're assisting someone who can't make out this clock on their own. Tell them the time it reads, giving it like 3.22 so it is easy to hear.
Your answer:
5.23
